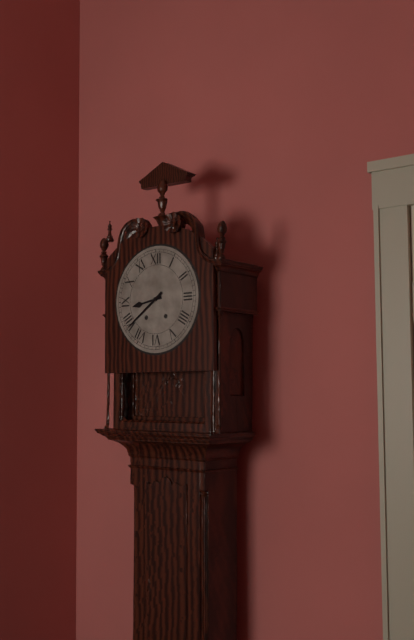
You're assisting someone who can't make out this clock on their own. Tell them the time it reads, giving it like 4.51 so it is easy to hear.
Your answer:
8.39
